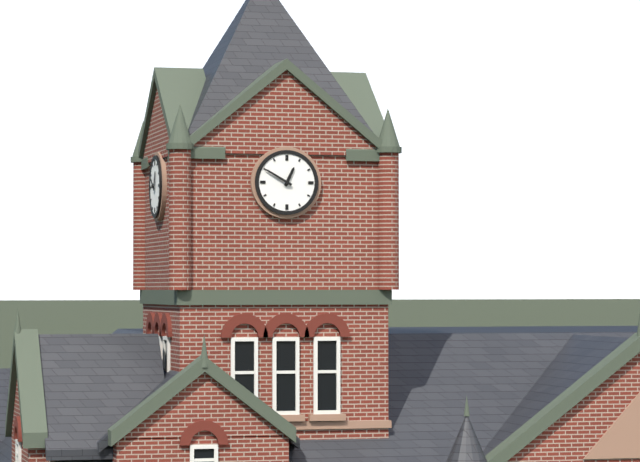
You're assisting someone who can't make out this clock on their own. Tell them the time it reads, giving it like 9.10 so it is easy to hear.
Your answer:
12.50
